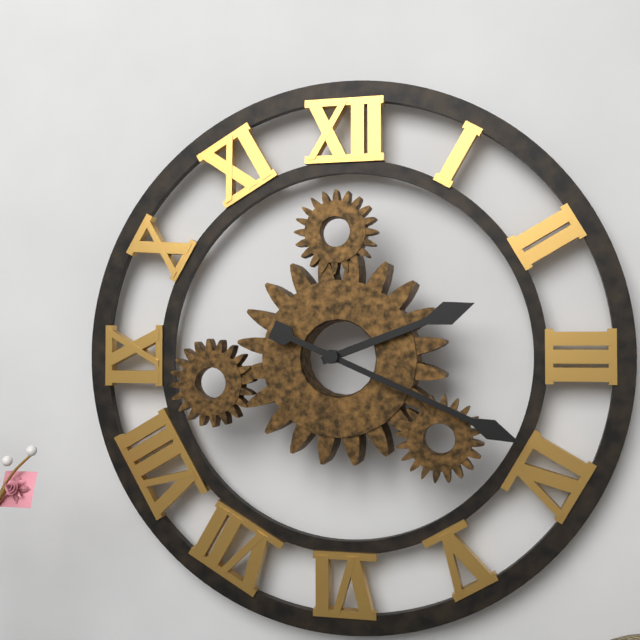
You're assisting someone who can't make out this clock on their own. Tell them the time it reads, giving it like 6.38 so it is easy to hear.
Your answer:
2.19
